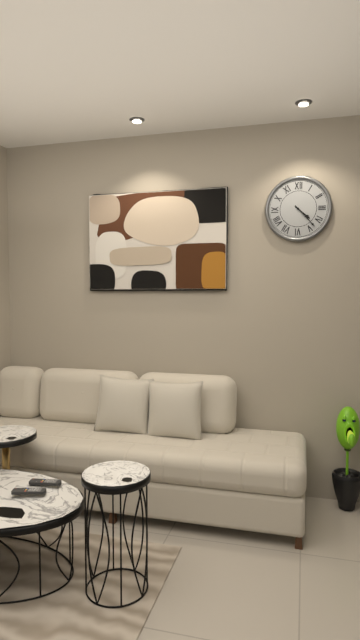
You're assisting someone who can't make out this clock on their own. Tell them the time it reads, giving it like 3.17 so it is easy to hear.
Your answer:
4.23
